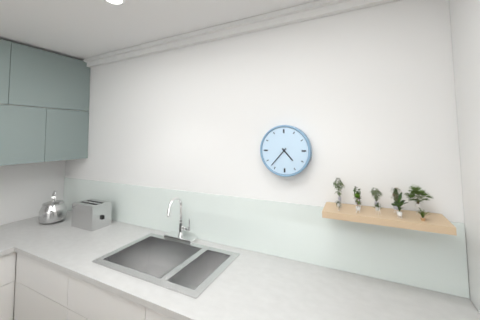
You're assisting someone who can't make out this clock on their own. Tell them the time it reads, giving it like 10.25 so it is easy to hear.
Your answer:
4.37
